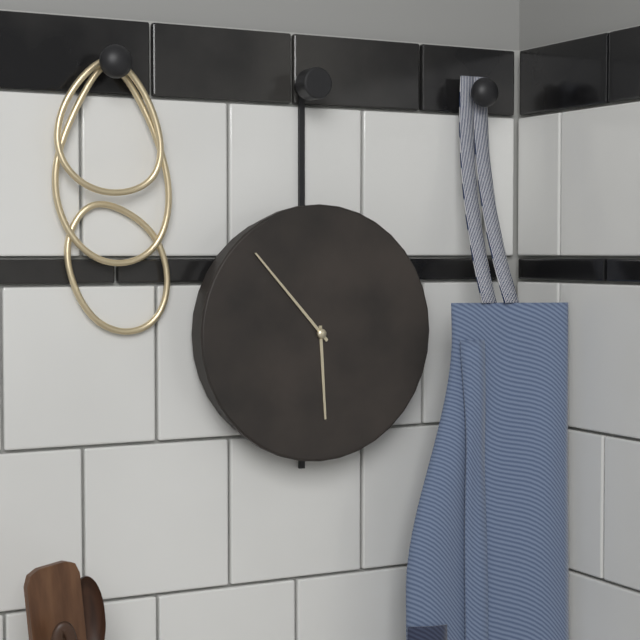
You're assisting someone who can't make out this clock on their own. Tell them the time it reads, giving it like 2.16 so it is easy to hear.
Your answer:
5.53
